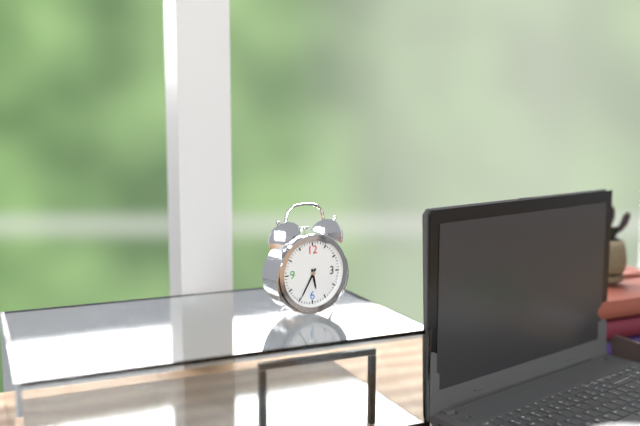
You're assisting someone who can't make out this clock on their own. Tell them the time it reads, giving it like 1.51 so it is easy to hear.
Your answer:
5.35
